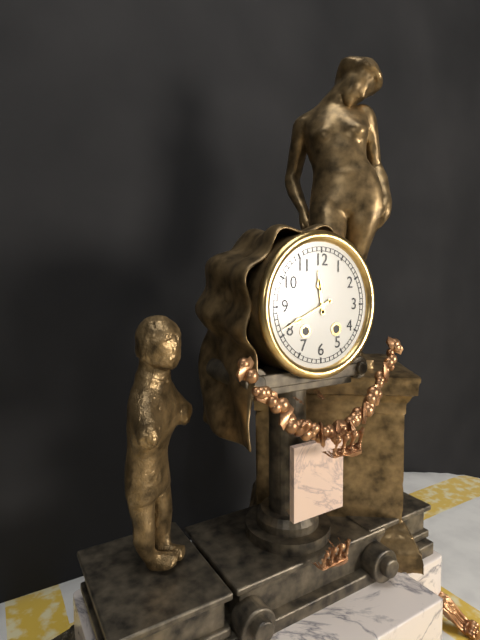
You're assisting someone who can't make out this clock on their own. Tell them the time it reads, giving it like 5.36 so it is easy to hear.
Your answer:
11.41
